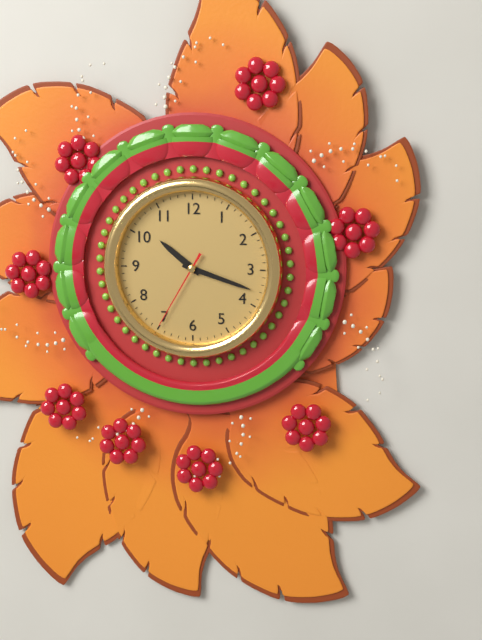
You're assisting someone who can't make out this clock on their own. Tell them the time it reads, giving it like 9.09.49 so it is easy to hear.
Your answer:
10.18.35
